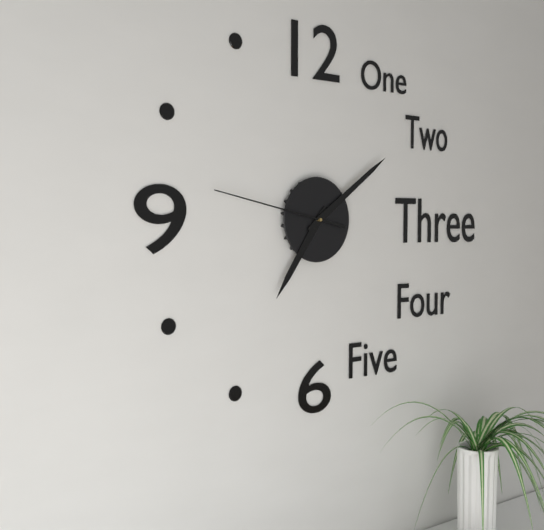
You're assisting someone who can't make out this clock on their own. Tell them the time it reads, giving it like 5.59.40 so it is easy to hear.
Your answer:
7.09.47
